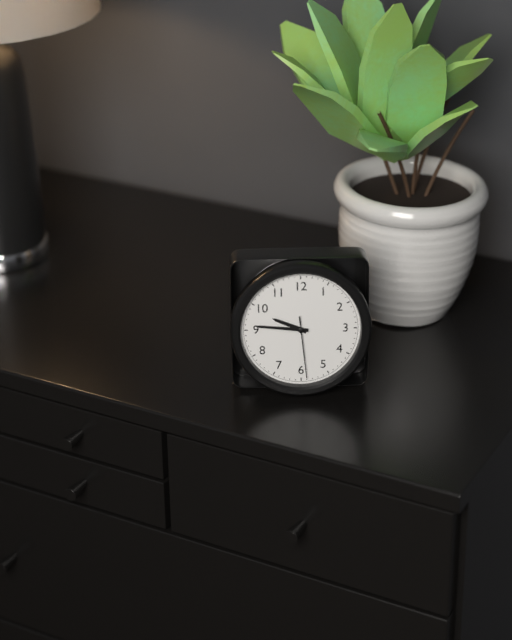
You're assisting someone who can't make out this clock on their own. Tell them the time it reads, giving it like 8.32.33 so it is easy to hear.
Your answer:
9.46.29
